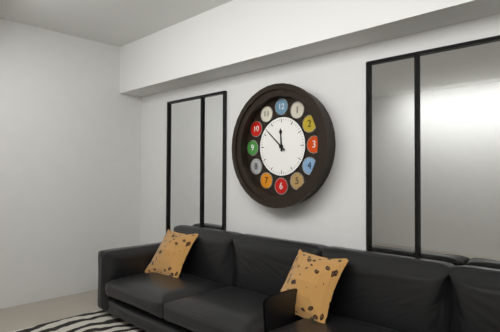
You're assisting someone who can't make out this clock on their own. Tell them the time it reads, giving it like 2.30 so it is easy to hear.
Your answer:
11.52
